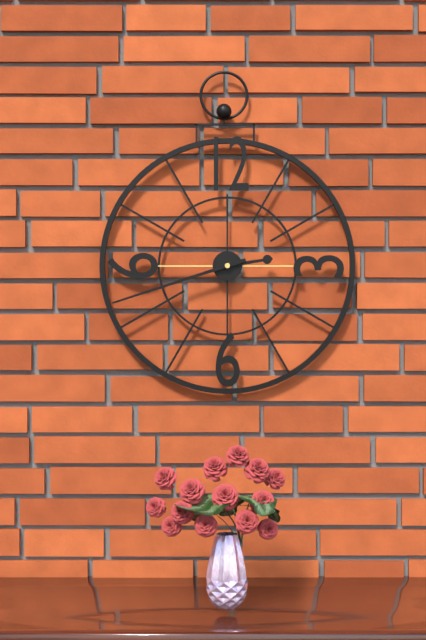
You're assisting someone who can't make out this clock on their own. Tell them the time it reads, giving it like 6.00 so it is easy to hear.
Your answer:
2.42
